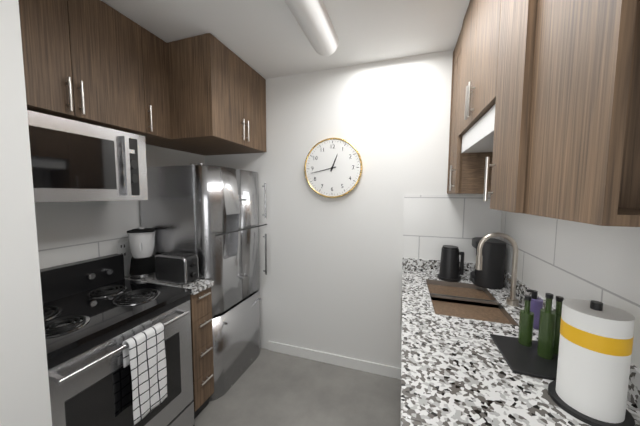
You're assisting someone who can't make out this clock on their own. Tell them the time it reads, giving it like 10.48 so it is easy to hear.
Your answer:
12.43
